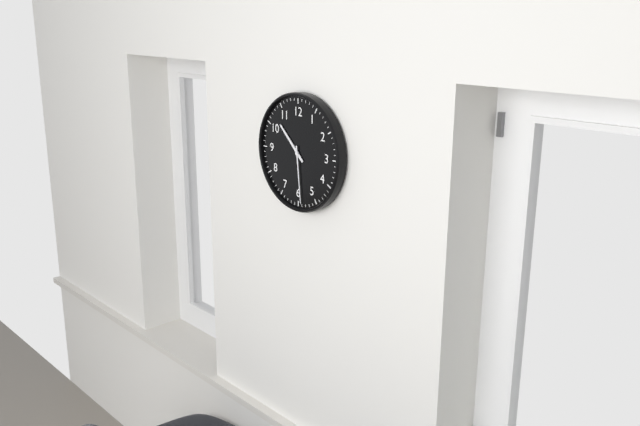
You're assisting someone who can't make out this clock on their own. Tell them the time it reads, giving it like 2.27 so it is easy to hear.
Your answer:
10.29
